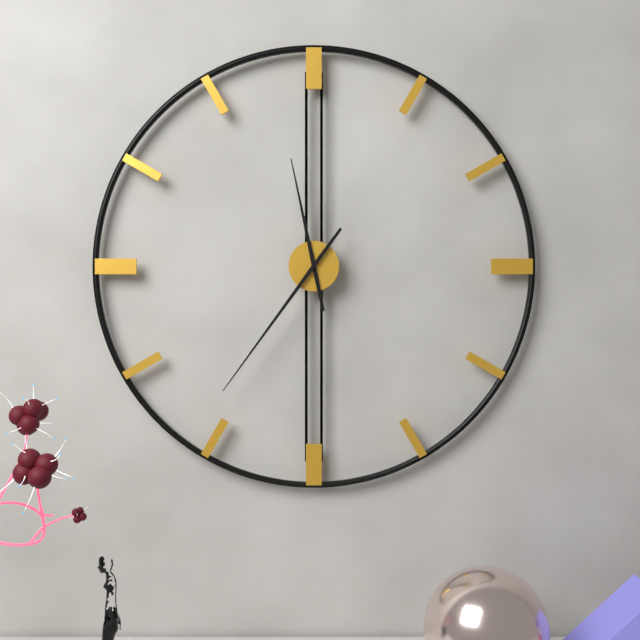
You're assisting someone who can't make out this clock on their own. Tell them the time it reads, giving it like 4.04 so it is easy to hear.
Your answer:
11.36
